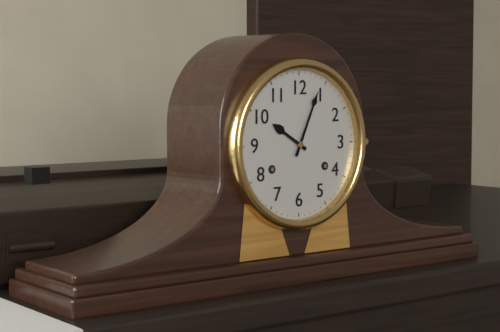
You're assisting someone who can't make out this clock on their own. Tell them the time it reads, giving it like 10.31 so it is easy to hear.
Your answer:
10.04
